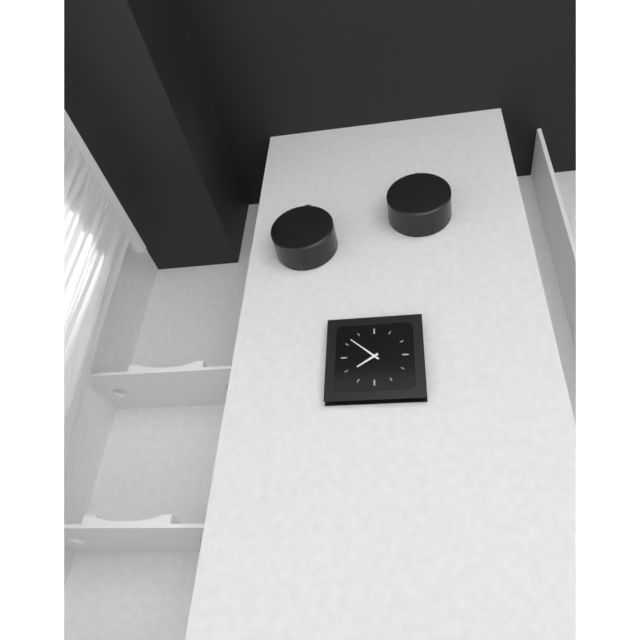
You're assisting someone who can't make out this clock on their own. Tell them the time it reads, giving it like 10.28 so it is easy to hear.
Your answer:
7.52
